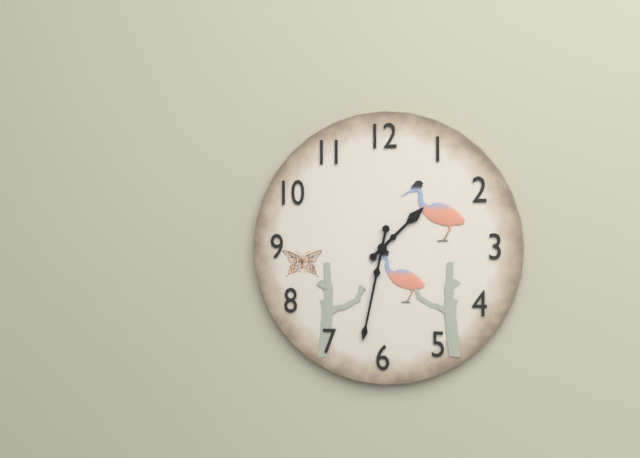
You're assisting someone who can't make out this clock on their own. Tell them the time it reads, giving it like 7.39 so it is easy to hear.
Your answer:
1.32
